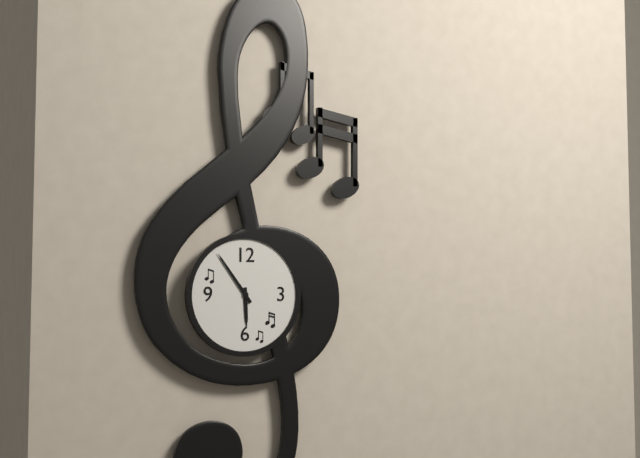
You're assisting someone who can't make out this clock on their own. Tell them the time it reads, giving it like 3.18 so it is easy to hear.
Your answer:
5.54
